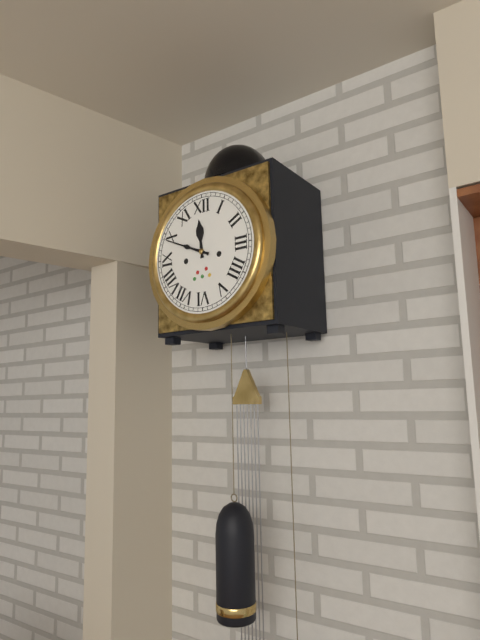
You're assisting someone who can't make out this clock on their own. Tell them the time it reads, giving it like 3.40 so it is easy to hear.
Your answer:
11.49
